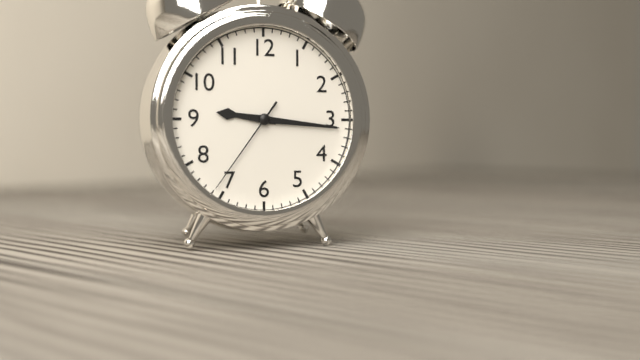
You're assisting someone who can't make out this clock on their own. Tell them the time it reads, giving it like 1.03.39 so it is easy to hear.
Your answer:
9.16.36
